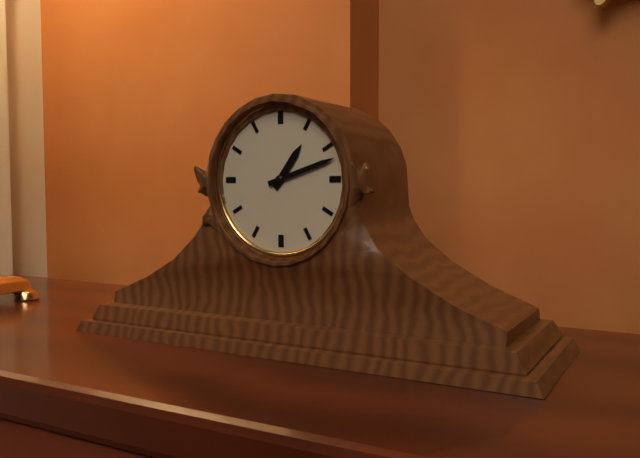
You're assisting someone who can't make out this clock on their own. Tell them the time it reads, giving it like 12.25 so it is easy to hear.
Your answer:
1.12
